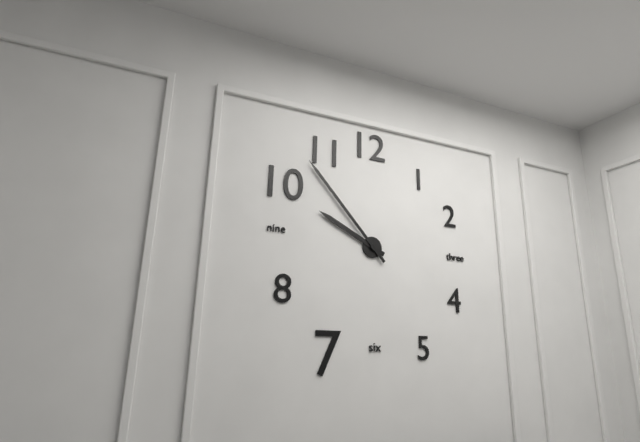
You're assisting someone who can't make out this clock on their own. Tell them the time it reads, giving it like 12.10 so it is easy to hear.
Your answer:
9.53
